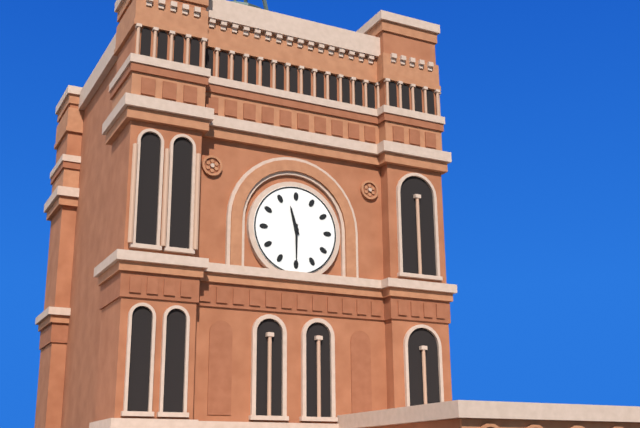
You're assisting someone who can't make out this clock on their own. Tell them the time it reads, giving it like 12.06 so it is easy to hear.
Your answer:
11.30
